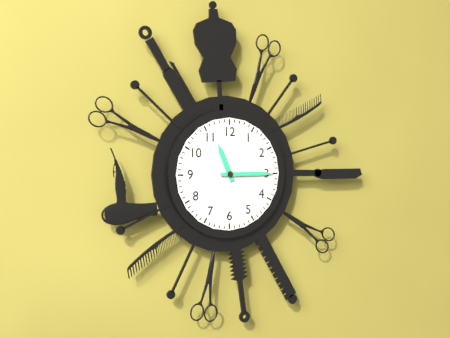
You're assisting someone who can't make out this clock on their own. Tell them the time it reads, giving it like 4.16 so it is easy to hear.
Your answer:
11.15
